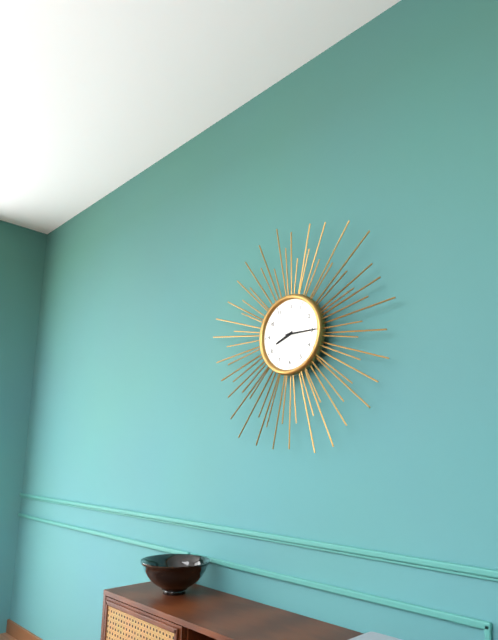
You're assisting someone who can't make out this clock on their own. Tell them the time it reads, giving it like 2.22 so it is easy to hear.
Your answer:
8.15
